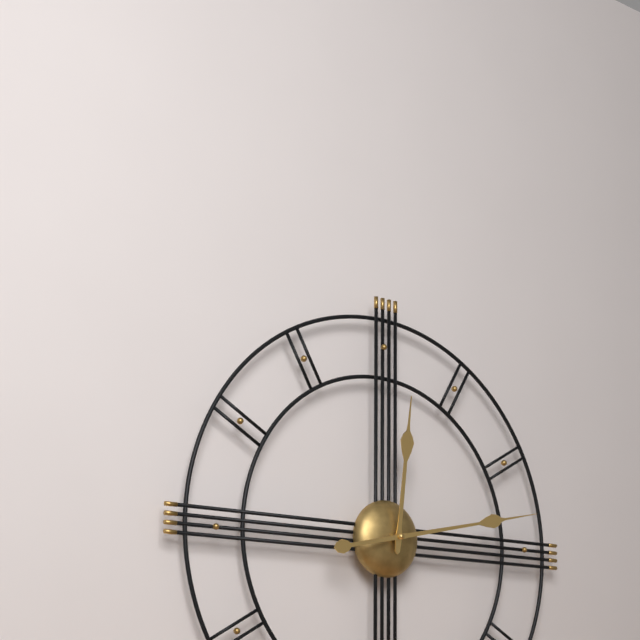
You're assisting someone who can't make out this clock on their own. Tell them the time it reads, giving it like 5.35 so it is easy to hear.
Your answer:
12.13
